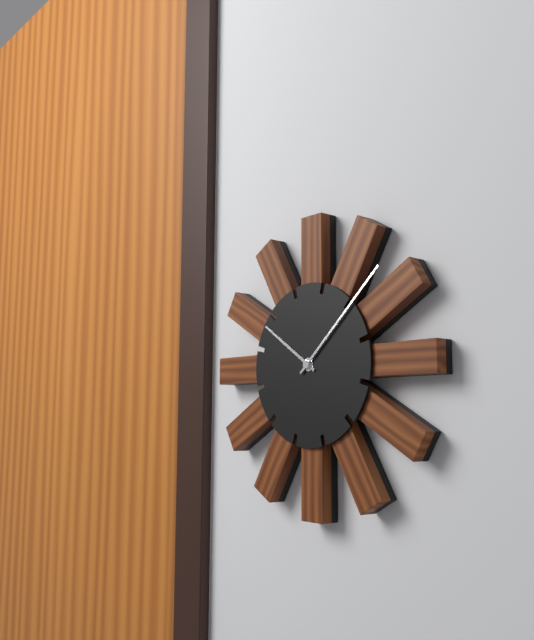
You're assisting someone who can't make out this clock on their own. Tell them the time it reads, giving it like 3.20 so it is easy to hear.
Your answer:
10.08
